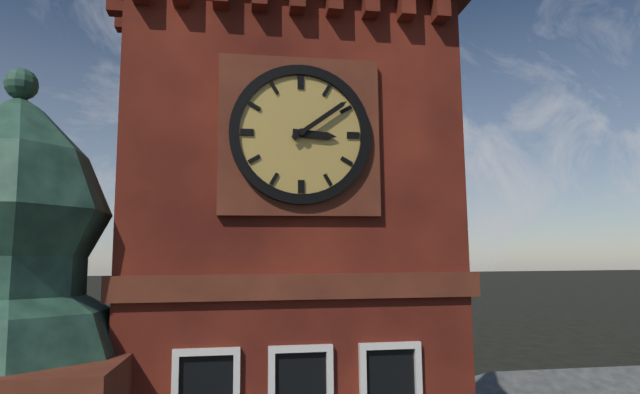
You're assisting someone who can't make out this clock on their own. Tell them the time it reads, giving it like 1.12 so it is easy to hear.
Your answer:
3.09
